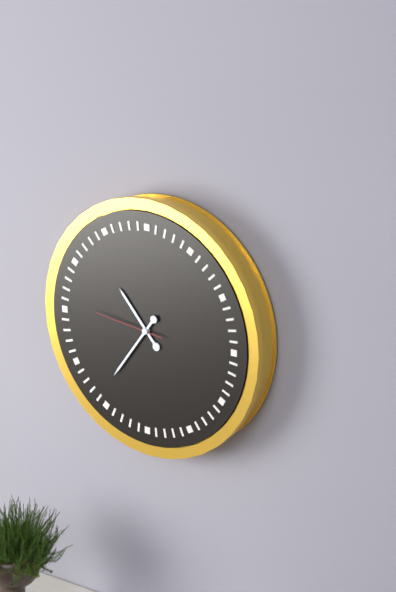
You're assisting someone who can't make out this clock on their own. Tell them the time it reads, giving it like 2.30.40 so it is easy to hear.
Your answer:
10.36.46
